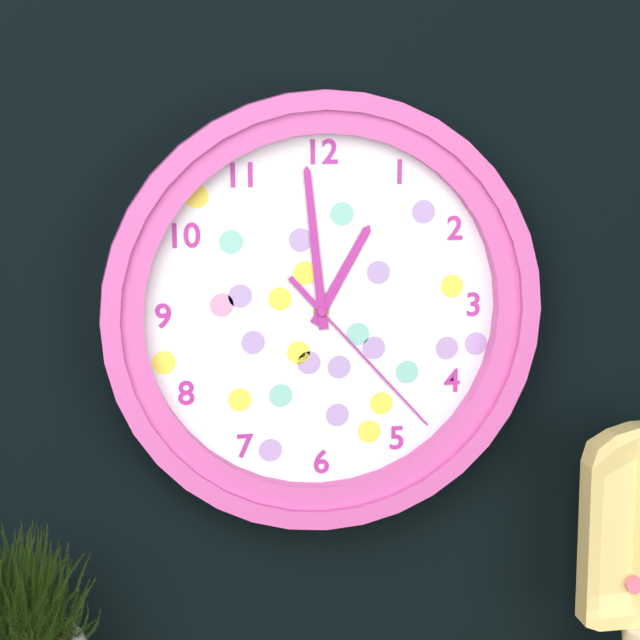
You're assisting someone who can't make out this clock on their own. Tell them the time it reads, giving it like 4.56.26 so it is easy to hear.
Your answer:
12.59.23
